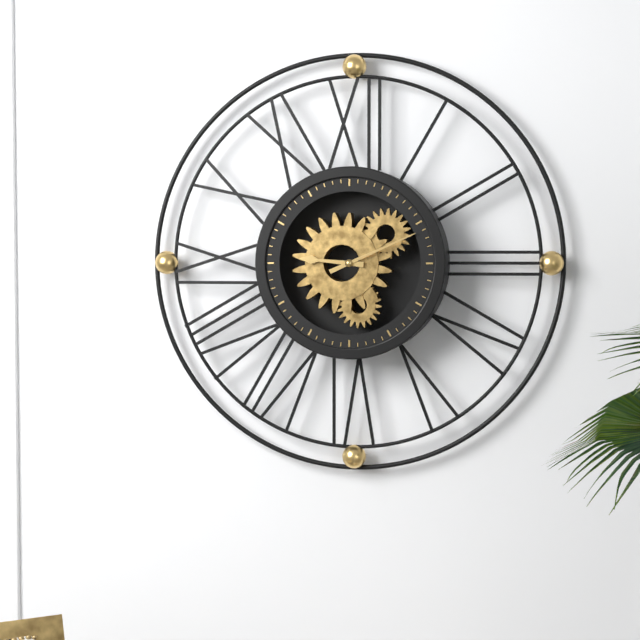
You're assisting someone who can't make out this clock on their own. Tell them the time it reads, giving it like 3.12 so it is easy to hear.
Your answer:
9.11
